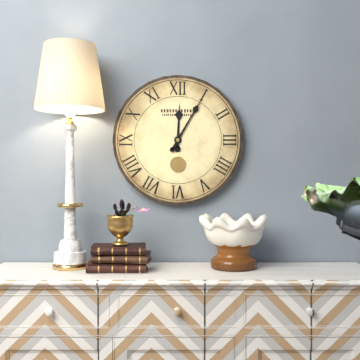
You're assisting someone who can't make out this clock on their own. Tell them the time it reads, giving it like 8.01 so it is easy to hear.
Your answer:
12.05
